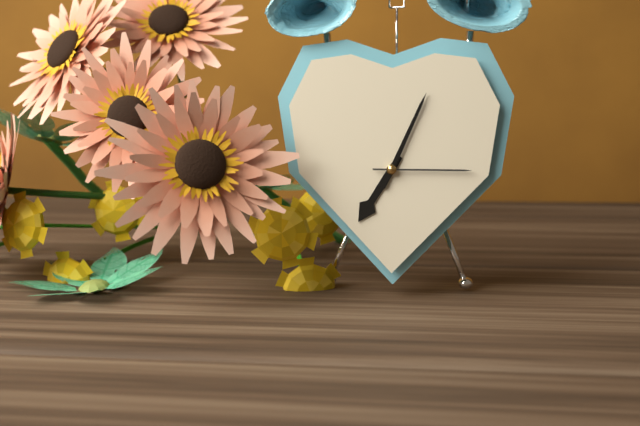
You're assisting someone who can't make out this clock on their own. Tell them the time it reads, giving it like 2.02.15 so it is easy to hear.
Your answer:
7.04.15
